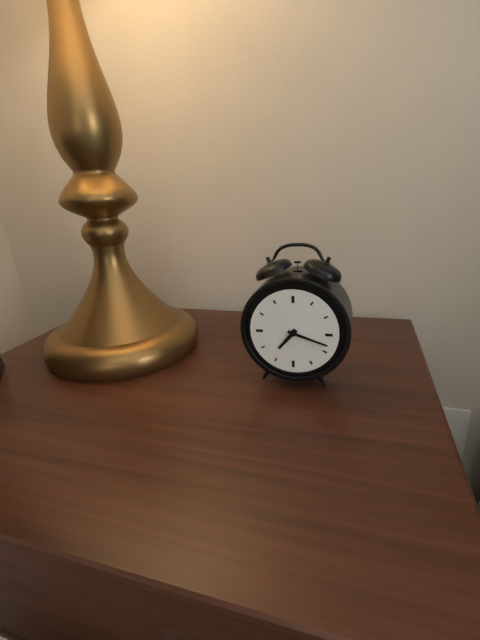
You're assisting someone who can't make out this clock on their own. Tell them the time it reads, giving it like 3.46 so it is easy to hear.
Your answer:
7.18
